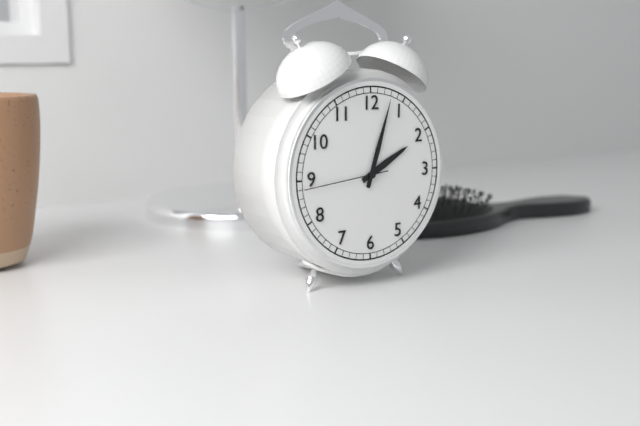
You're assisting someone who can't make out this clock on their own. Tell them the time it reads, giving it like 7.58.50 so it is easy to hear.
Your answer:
2.03.44
